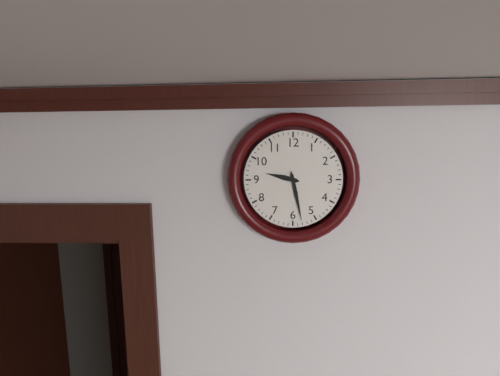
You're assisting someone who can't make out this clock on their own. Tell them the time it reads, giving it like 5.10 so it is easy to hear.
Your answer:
9.28
